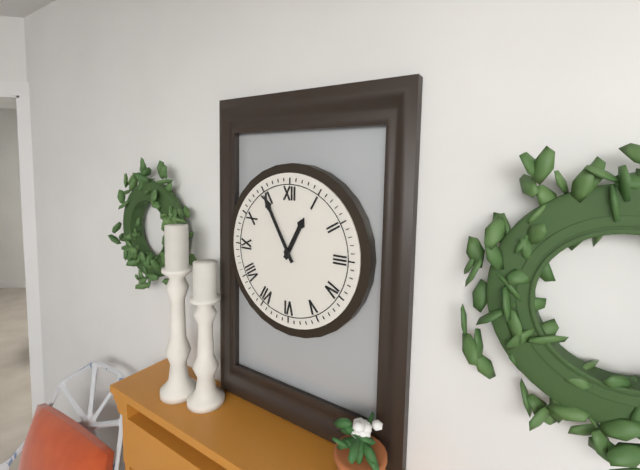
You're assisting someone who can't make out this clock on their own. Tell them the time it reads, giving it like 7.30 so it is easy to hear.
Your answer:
12.55
